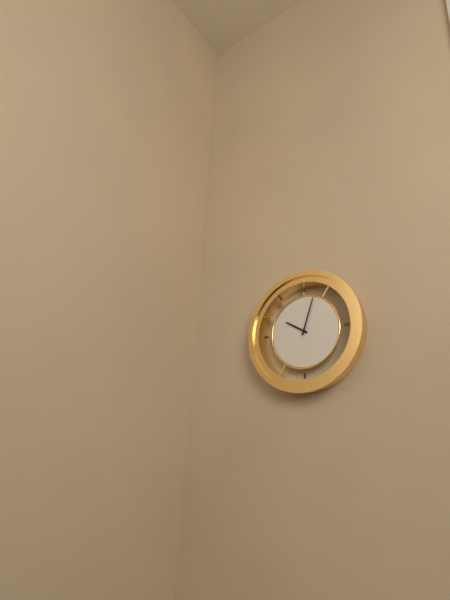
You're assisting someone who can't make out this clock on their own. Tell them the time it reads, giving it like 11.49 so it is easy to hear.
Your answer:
10.03
